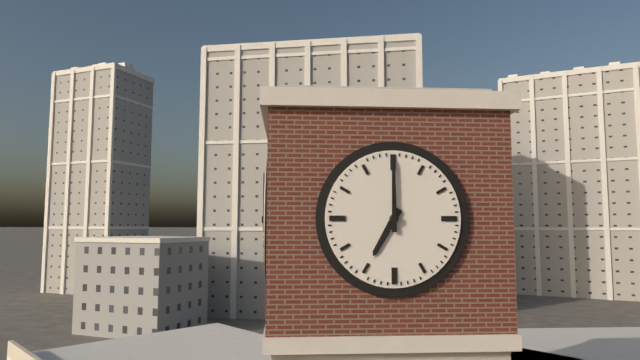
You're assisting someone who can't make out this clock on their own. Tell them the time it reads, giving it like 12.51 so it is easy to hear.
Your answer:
7.00
